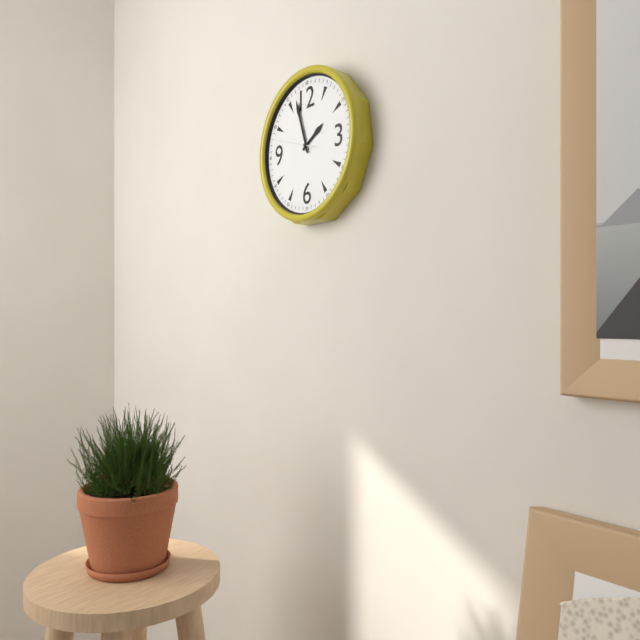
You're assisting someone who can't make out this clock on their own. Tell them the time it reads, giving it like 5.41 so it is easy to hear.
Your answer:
1.57
